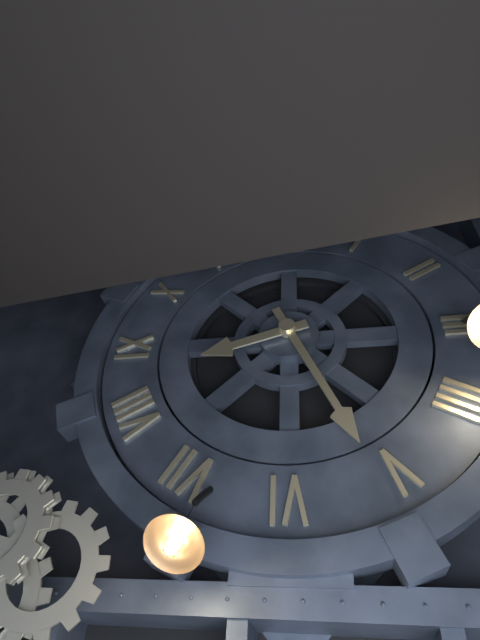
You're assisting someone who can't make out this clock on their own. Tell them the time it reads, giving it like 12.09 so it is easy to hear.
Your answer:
8.26
